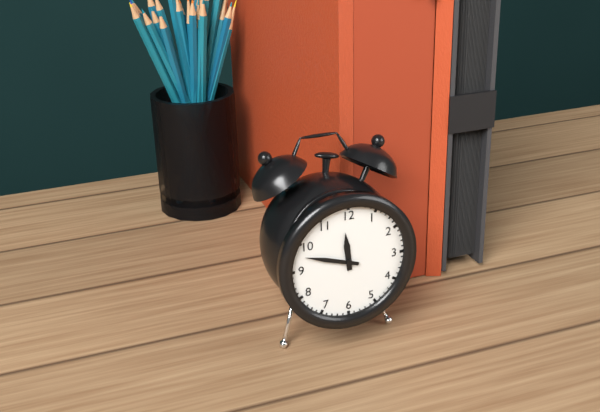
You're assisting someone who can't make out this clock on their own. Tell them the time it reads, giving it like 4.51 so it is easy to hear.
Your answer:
11.48
